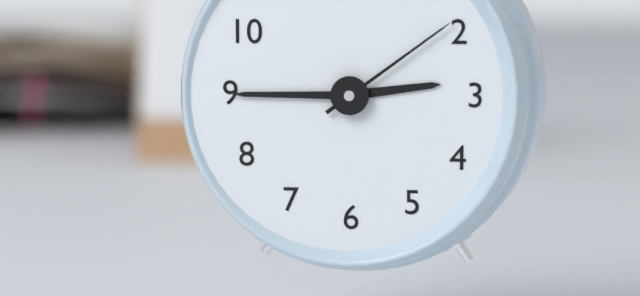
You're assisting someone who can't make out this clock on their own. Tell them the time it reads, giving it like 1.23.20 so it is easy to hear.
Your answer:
2.45.09
